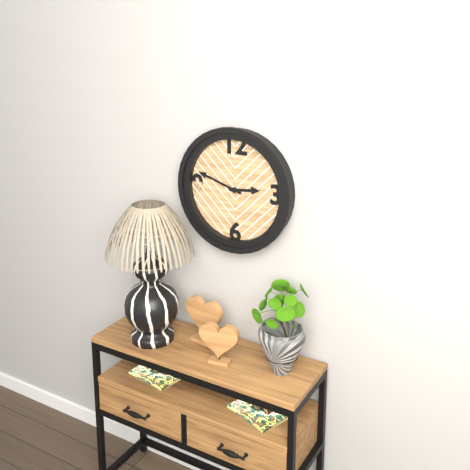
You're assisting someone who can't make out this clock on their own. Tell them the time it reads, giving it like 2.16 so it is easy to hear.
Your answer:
2.48
